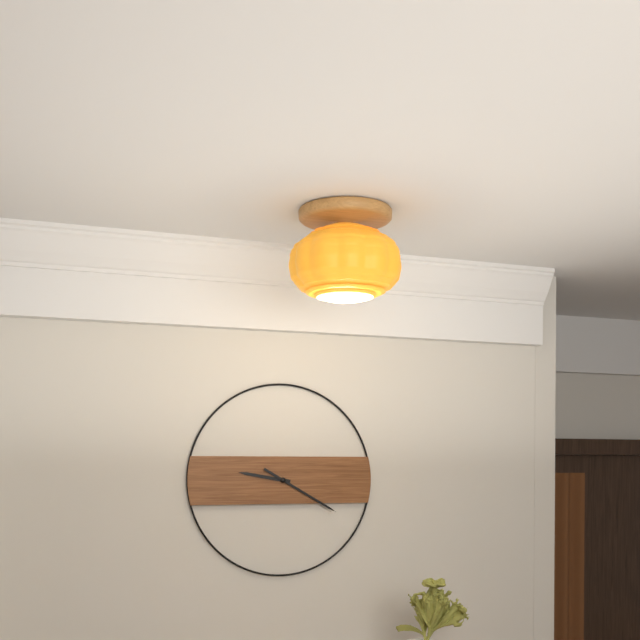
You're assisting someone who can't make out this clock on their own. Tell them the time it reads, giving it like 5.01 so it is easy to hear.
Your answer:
9.20
